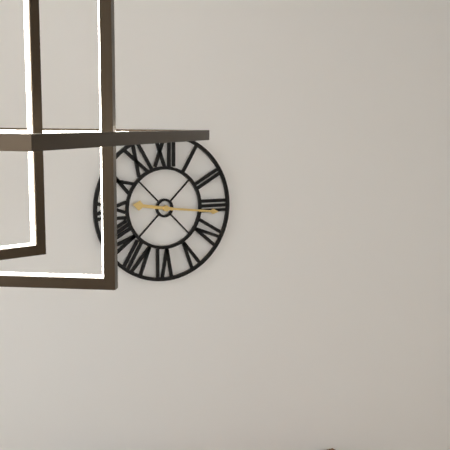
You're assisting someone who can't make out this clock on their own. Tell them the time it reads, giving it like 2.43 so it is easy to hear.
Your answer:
9.16
